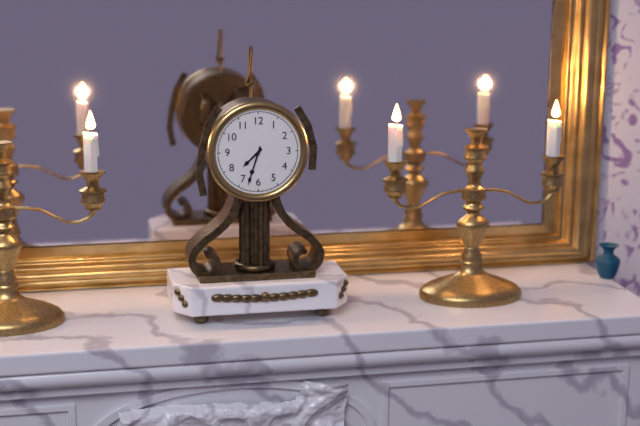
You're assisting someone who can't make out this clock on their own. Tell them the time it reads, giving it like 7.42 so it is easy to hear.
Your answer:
7.33
